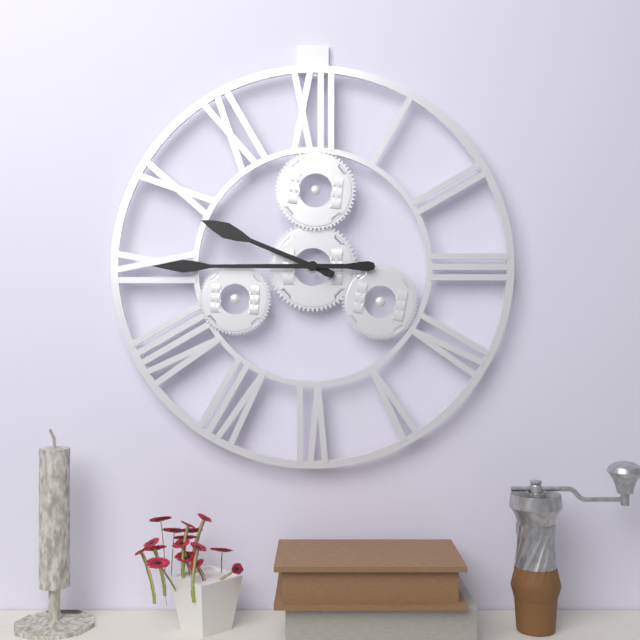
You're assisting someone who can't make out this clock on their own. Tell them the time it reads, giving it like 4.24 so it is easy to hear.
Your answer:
9.45
